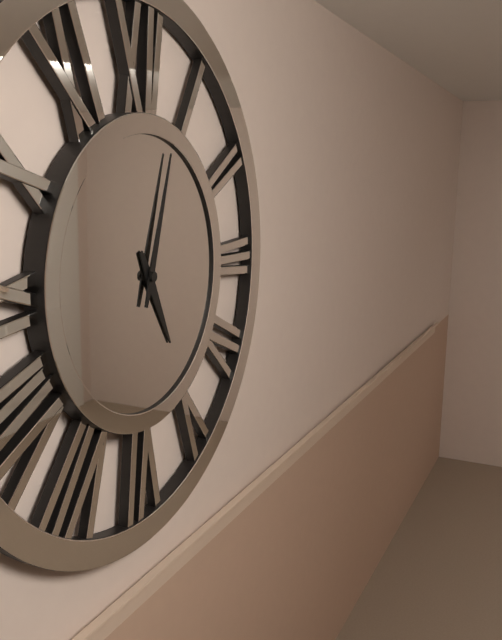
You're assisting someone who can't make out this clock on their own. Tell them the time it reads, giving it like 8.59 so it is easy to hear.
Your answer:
5.03
